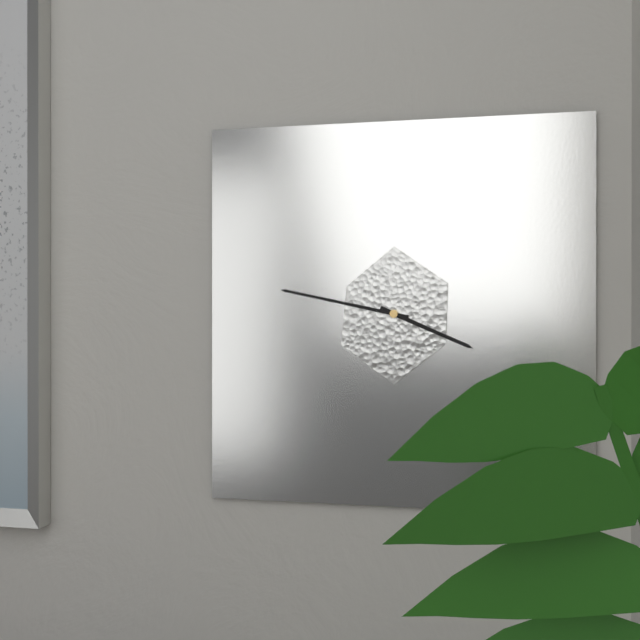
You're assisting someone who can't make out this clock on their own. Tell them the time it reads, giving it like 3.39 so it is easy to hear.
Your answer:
3.47
